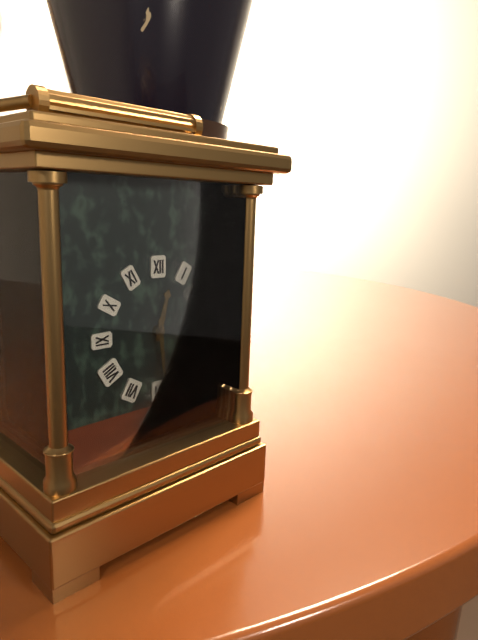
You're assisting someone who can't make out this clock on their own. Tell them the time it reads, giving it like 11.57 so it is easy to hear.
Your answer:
12.29
